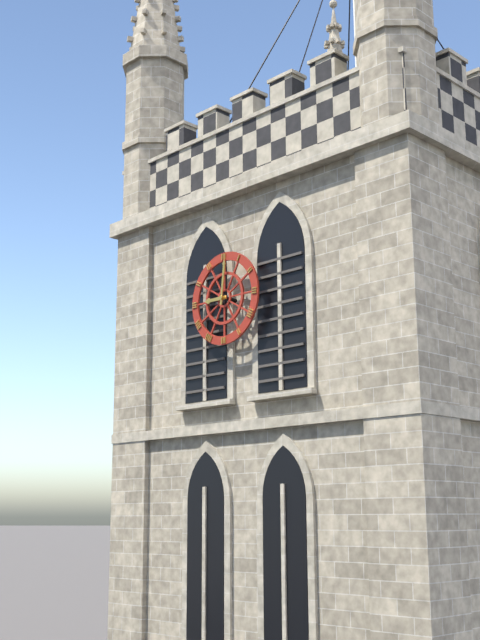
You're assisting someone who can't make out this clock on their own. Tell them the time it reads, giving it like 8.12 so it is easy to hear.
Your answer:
9.01
